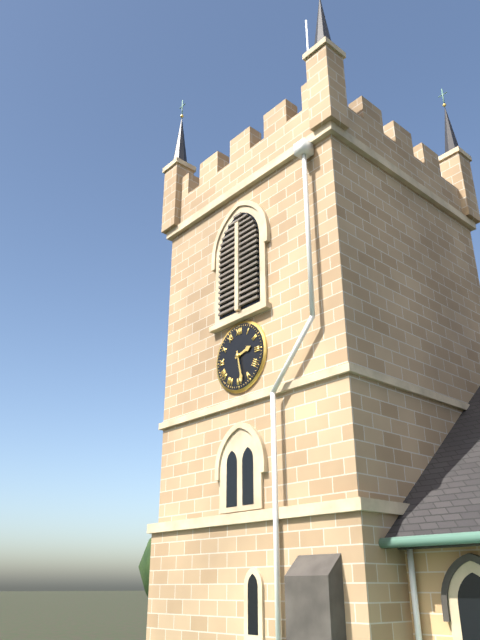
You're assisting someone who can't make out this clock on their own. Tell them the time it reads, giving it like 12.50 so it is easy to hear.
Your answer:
2.28
